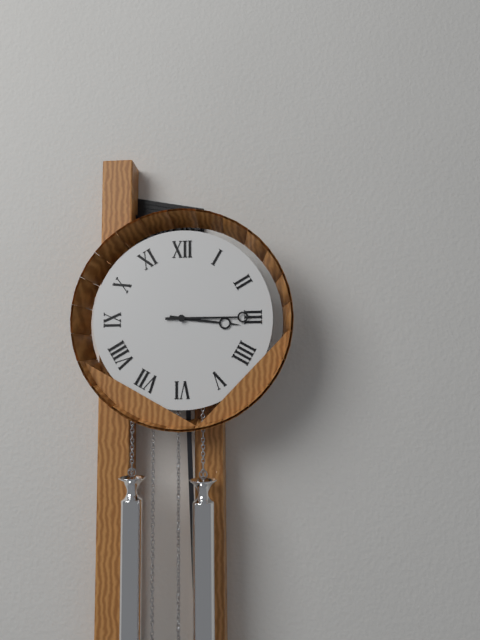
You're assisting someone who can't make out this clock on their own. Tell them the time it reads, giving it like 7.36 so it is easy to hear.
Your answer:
3.15
